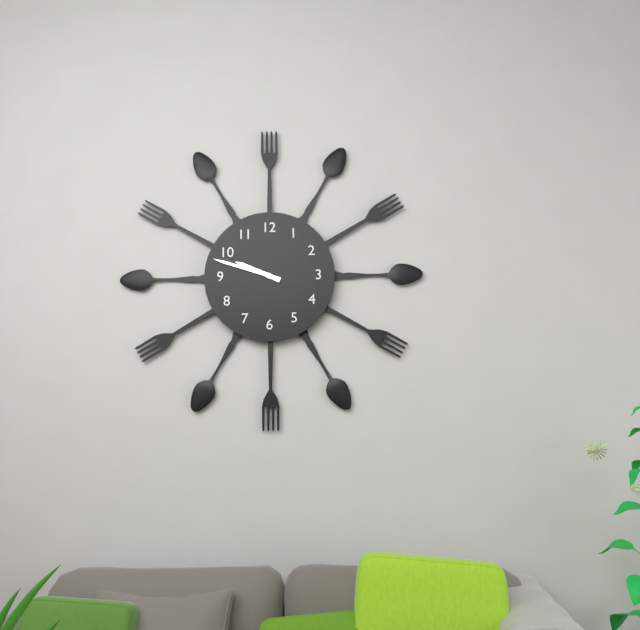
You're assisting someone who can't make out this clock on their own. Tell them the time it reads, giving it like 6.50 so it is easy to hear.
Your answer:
9.48
